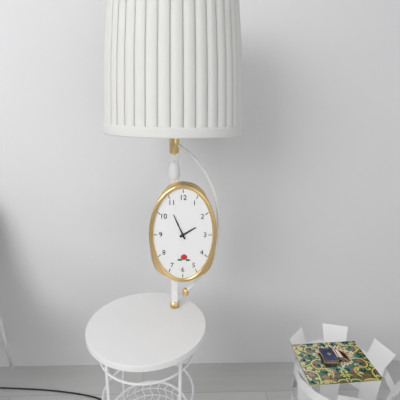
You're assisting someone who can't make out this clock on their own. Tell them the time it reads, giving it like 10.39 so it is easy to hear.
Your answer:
1.56
